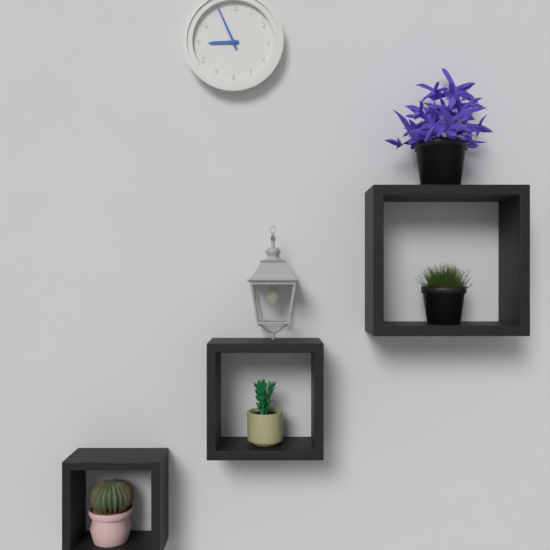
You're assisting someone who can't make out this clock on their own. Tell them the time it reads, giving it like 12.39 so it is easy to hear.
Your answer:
8.56
